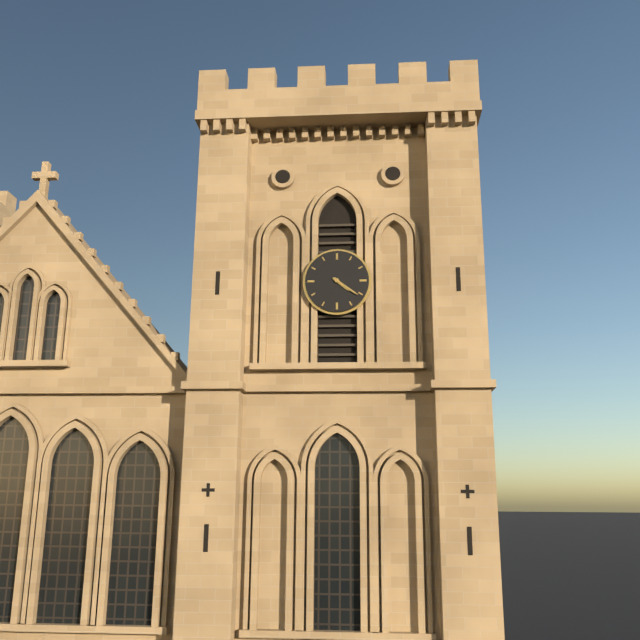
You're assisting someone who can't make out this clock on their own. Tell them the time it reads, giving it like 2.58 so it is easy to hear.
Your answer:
4.21
